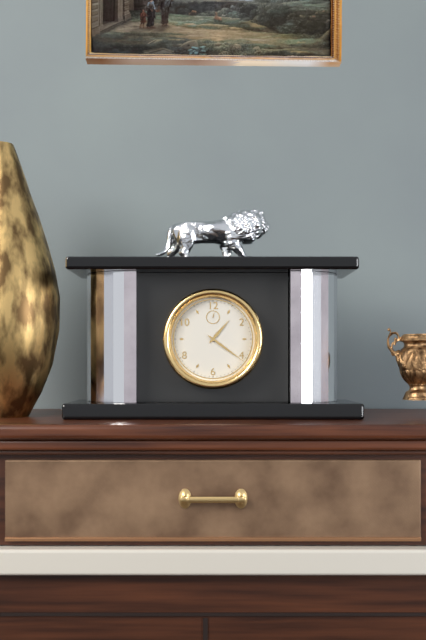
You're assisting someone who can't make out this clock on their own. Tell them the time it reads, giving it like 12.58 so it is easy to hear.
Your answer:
1.21
